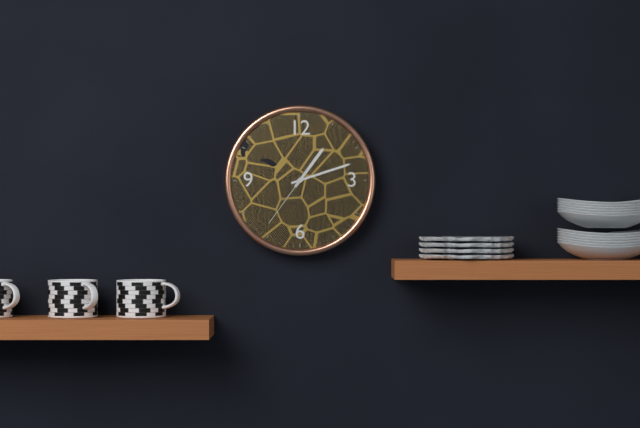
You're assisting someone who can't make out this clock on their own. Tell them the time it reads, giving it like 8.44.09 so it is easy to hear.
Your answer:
1.12.36
